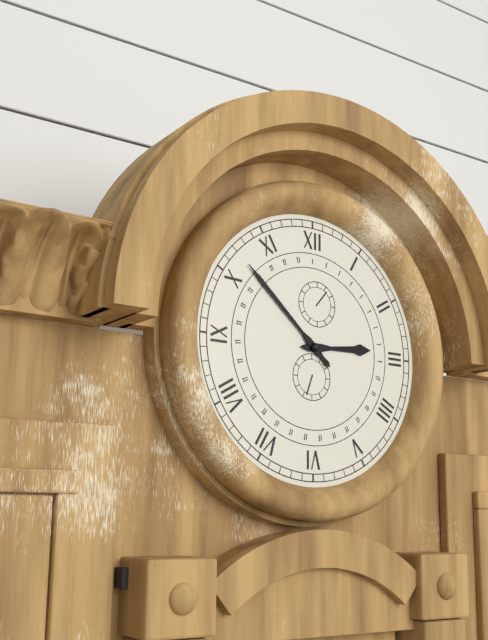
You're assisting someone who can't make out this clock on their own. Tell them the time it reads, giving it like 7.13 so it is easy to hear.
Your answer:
2.52
